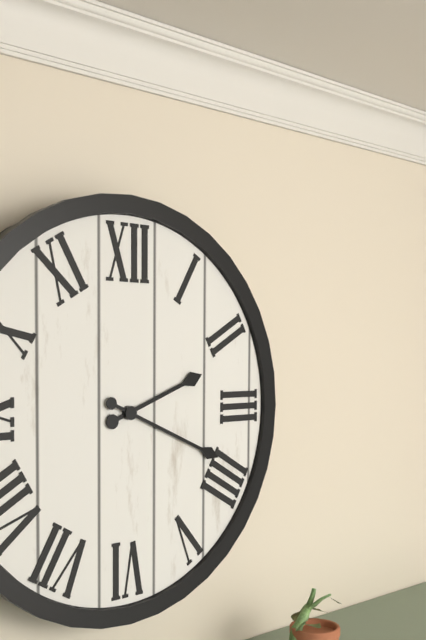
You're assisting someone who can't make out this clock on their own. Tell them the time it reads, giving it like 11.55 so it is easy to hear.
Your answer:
2.19
